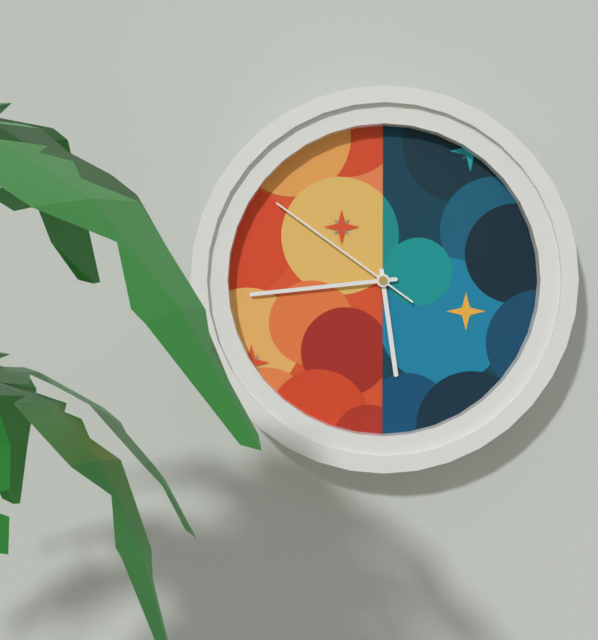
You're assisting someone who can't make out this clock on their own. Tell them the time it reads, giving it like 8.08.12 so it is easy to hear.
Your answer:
5.44.51
